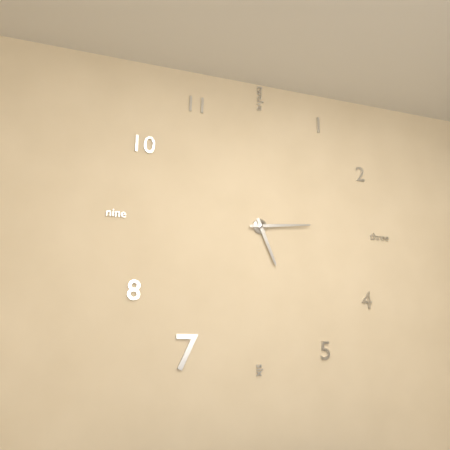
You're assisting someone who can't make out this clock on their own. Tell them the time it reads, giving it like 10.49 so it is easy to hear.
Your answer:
5.14
